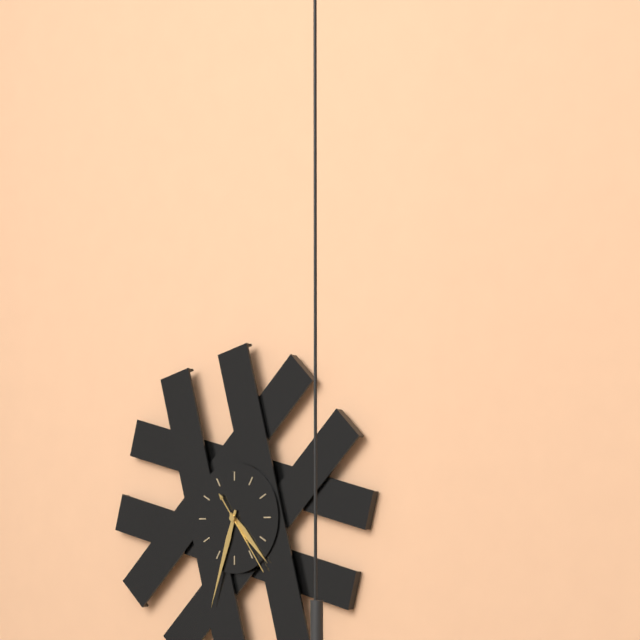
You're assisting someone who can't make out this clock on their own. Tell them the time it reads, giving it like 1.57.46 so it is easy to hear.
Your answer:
4.33.24
